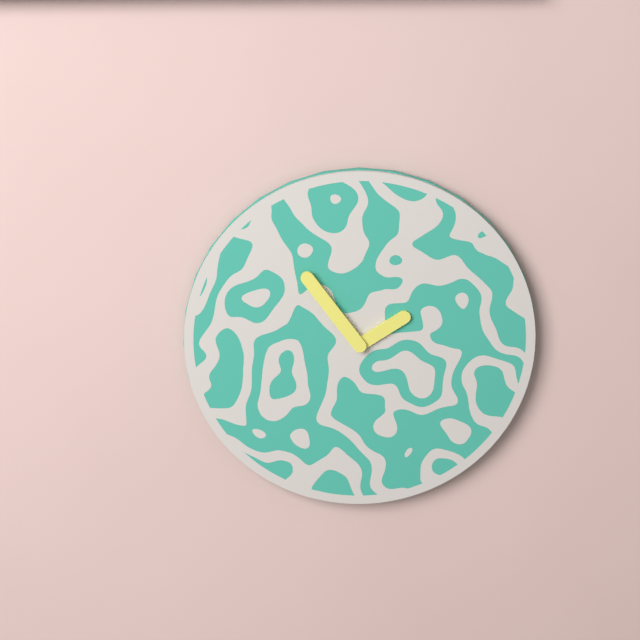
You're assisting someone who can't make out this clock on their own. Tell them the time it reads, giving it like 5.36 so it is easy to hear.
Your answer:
1.54
